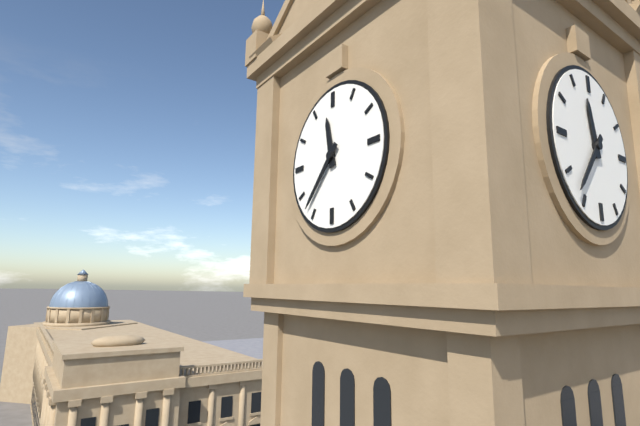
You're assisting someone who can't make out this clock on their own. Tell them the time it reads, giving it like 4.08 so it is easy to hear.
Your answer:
11.37
